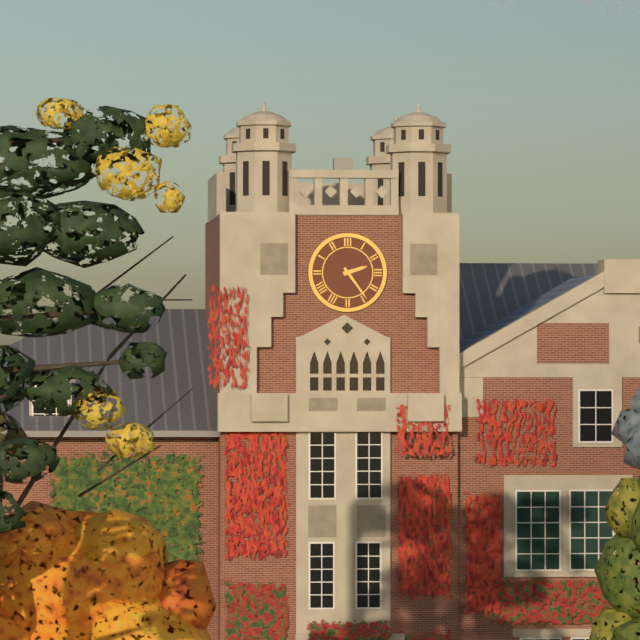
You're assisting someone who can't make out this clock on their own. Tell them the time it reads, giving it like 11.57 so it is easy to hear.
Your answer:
2.24
